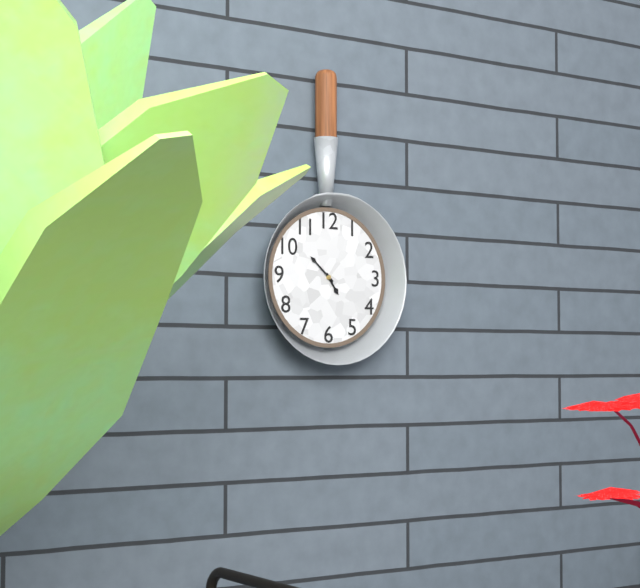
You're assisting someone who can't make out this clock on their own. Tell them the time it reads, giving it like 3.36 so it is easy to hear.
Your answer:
4.52
